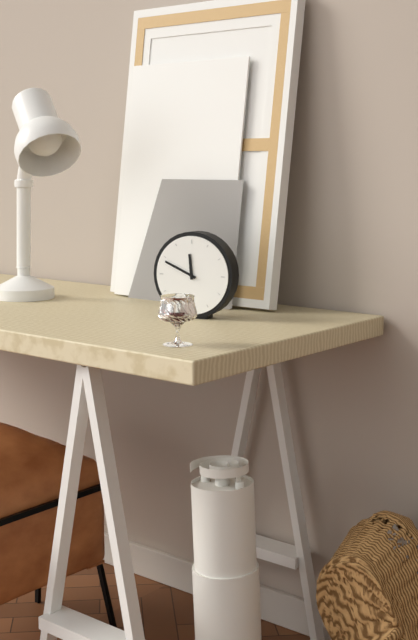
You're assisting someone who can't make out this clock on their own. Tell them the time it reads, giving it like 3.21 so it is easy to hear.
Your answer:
11.49
